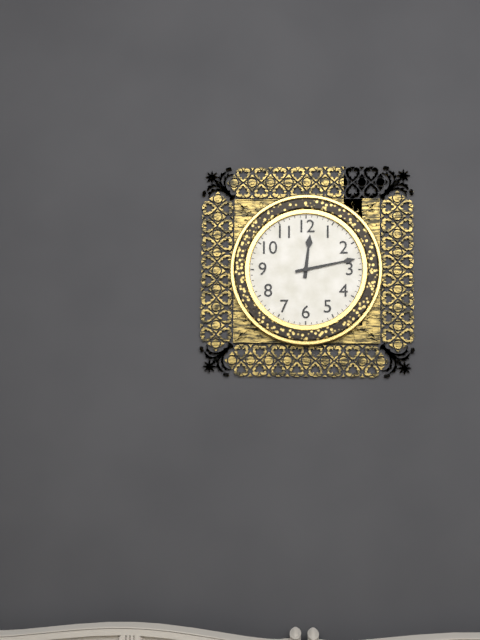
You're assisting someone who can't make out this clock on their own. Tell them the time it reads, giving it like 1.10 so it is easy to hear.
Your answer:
12.13
